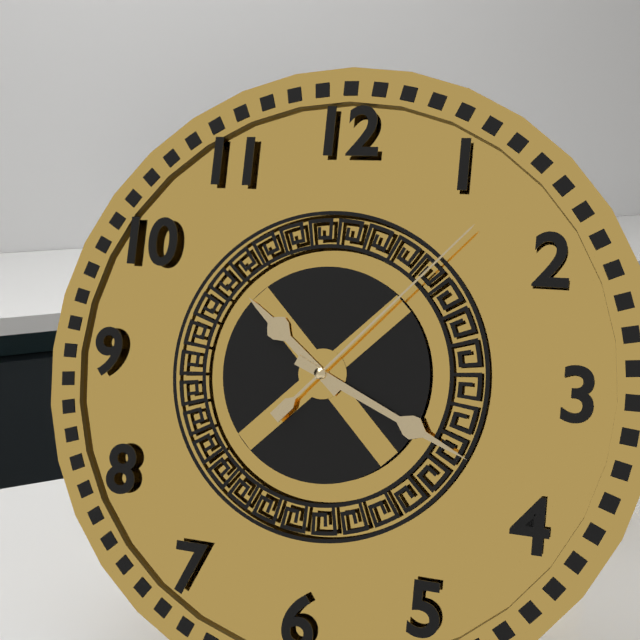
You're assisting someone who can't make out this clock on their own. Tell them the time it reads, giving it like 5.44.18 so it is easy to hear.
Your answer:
10.19.07
